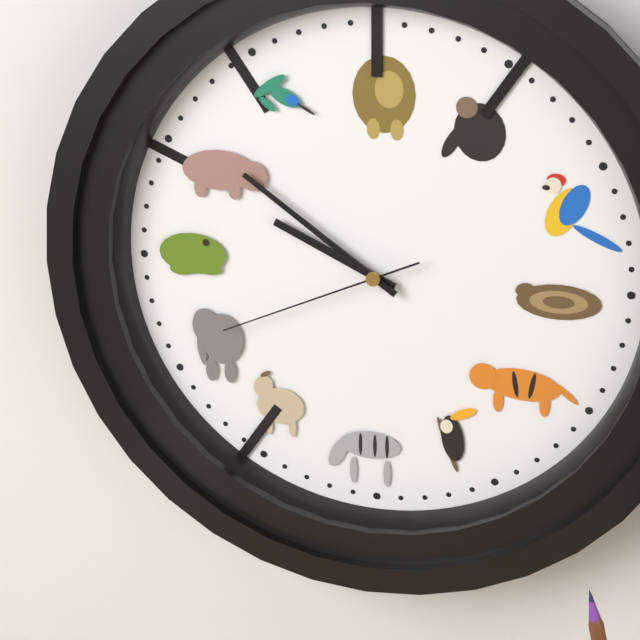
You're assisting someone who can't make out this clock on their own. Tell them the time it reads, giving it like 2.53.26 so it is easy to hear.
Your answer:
9.51.41
